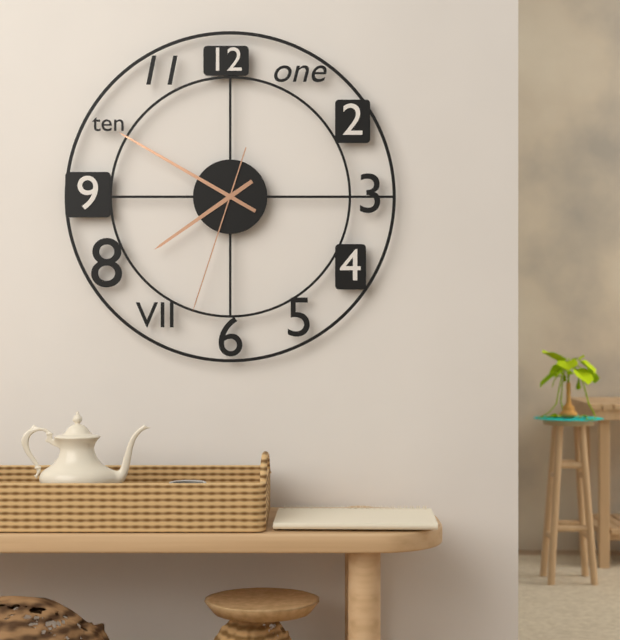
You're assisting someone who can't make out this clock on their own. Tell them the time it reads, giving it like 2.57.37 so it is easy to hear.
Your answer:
7.50.33
